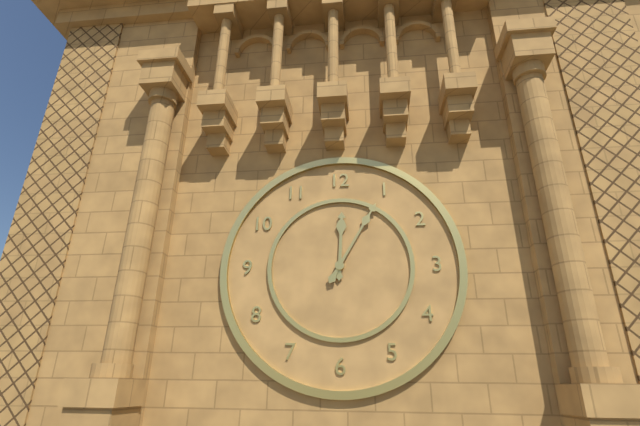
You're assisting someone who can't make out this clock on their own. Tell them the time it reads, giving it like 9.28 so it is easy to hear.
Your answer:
12.05
